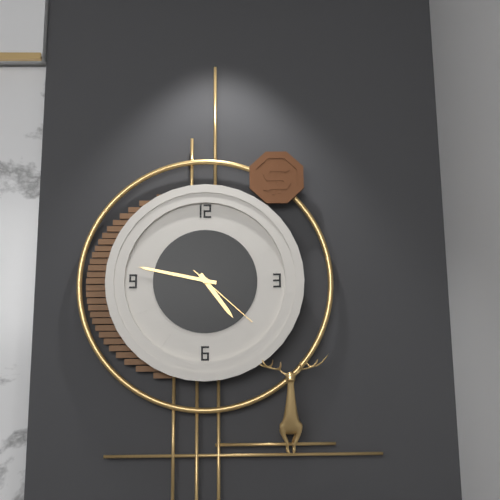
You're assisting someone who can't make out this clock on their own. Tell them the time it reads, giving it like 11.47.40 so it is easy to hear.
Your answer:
4.47.22
